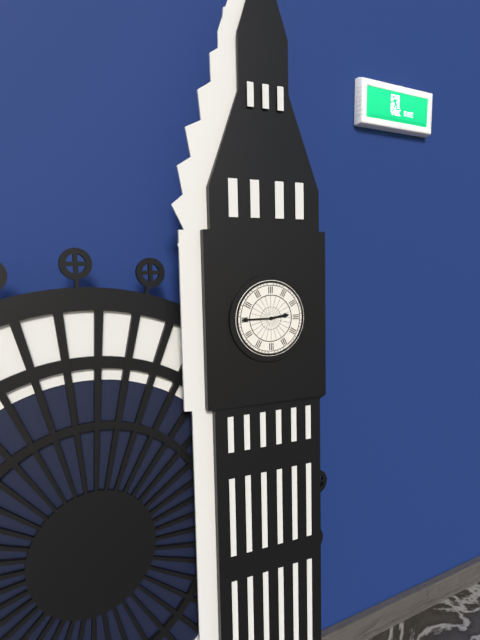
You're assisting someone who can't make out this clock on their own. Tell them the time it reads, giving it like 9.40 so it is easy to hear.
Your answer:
2.45
